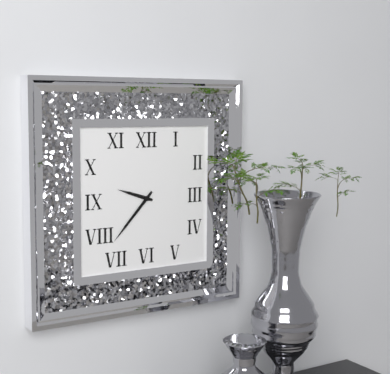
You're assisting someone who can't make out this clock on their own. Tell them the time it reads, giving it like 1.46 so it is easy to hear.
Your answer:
9.37
